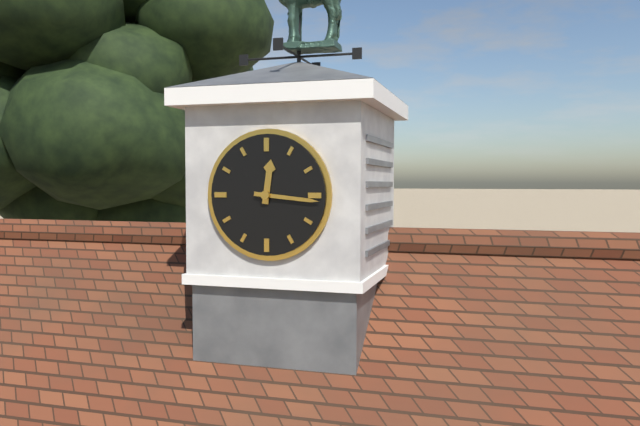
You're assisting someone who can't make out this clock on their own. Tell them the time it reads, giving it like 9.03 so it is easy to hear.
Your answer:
12.16
